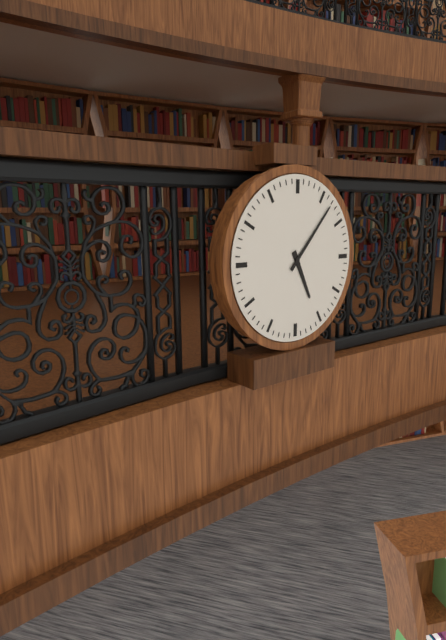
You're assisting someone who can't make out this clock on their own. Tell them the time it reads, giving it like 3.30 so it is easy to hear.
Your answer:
5.07
